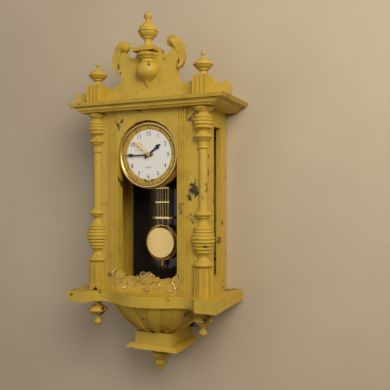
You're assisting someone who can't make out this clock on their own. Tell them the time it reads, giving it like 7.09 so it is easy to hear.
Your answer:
1.45
